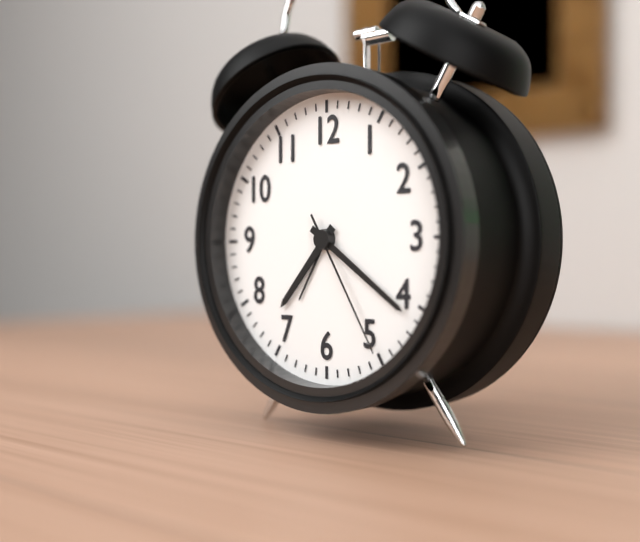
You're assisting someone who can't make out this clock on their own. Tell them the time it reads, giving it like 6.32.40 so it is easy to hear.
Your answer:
7.21.25
